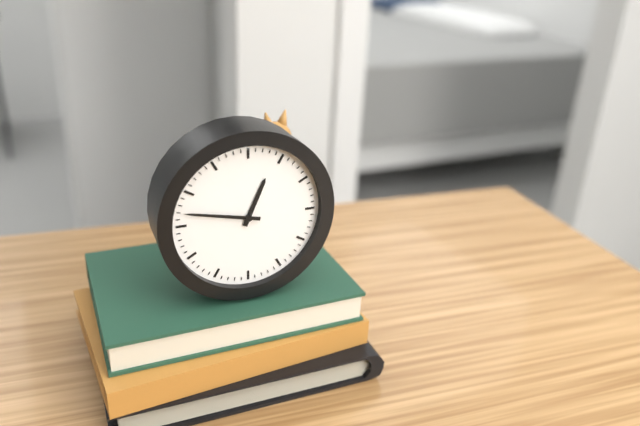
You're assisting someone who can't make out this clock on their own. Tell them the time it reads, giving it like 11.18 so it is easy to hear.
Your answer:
12.47
